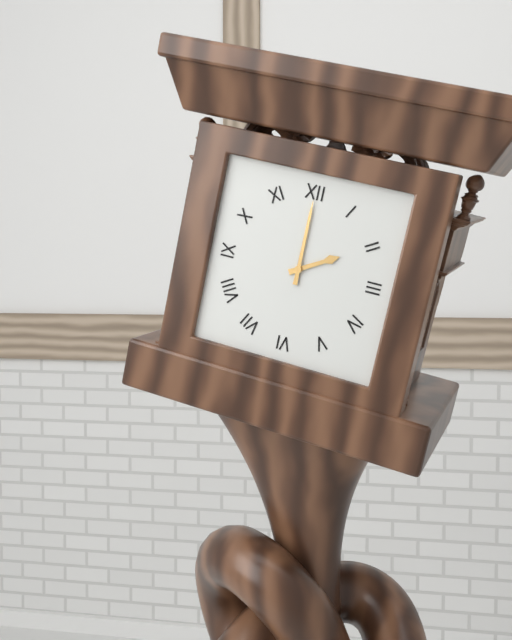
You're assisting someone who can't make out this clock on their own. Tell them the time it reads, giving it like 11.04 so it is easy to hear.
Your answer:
2.00
